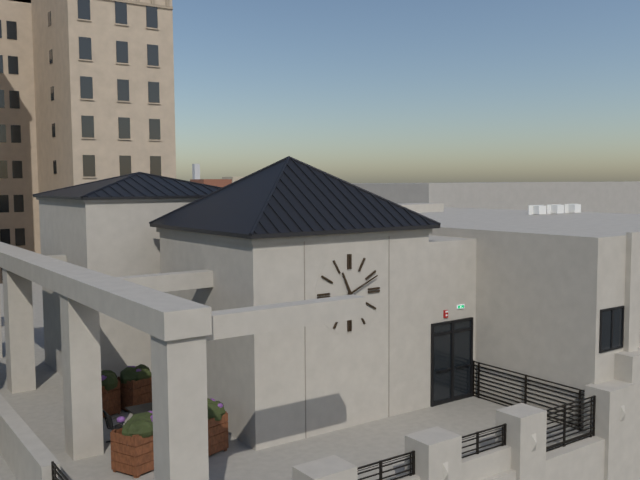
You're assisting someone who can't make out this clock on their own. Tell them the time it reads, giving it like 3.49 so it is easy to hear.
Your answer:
11.11
